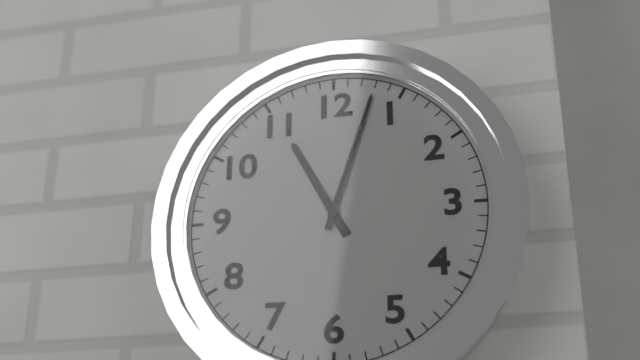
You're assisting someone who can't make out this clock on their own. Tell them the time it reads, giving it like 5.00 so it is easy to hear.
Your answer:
11.03
